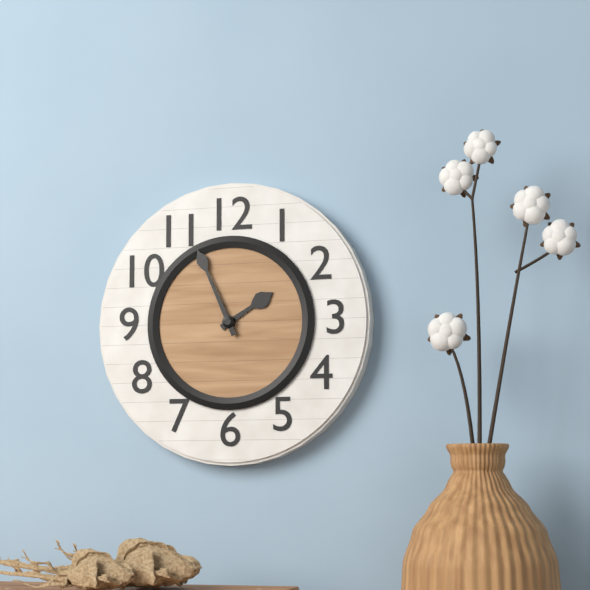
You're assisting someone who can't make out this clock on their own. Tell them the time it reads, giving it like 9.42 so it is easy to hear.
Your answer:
1.56
